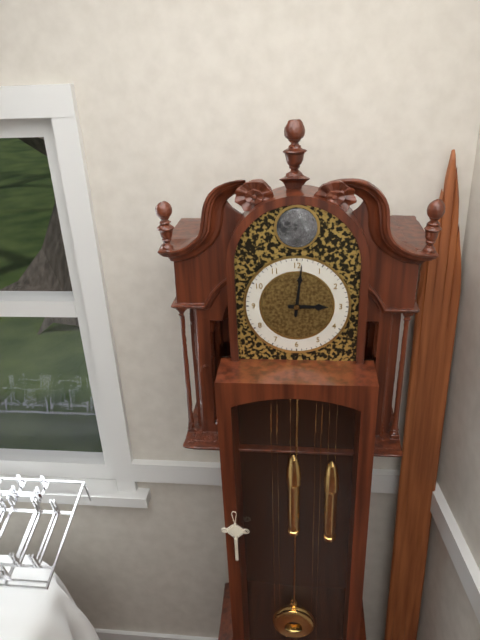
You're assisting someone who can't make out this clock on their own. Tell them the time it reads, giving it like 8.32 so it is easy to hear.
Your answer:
3.01
